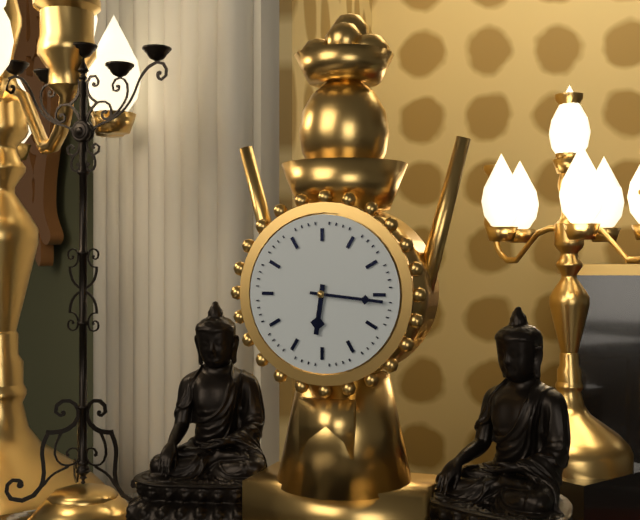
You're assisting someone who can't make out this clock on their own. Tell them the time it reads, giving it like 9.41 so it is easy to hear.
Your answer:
6.16
